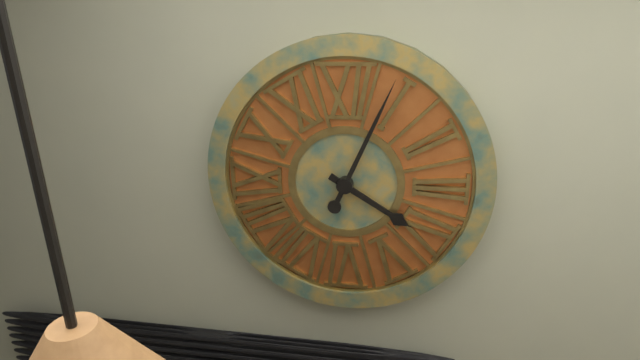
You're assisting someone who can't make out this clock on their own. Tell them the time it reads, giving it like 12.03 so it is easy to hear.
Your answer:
4.04
